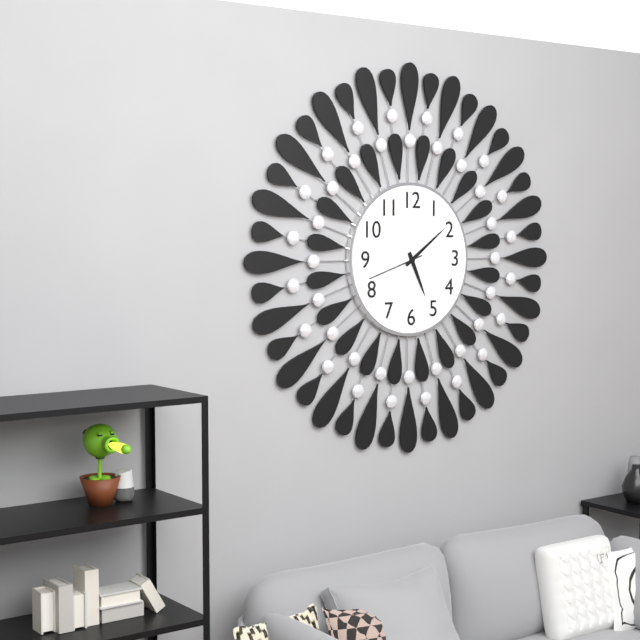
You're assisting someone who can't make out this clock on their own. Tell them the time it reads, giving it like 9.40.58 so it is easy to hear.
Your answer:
5.09.42
